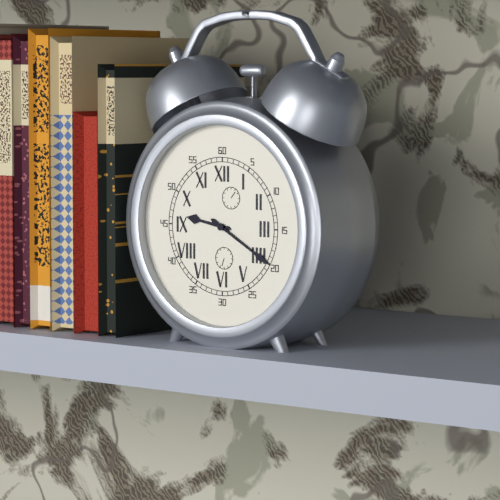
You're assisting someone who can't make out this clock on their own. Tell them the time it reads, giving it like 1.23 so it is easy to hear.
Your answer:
9.20
